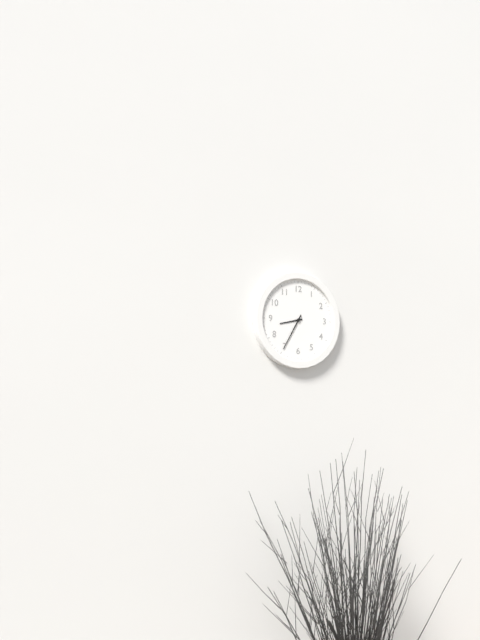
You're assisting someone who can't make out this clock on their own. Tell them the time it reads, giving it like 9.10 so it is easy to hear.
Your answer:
8.35
